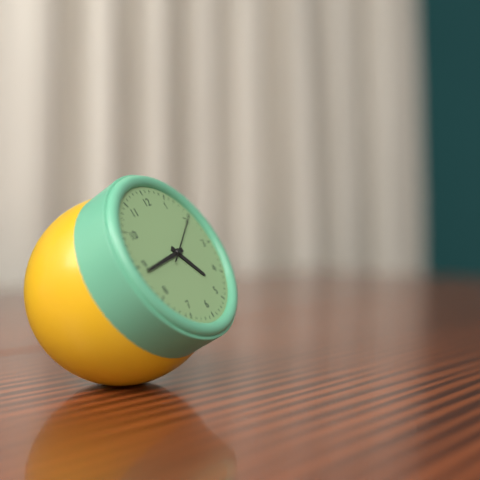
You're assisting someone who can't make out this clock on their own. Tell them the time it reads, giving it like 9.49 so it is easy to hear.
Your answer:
4.44
